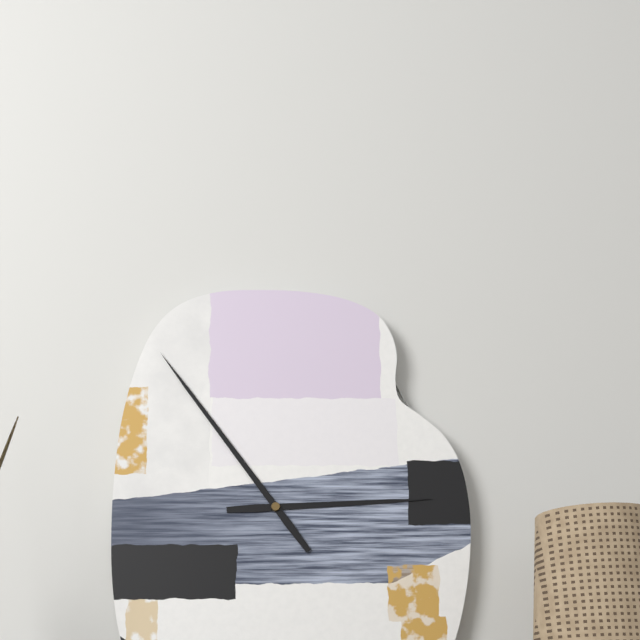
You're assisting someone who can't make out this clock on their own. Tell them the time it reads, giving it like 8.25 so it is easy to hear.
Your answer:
2.54
